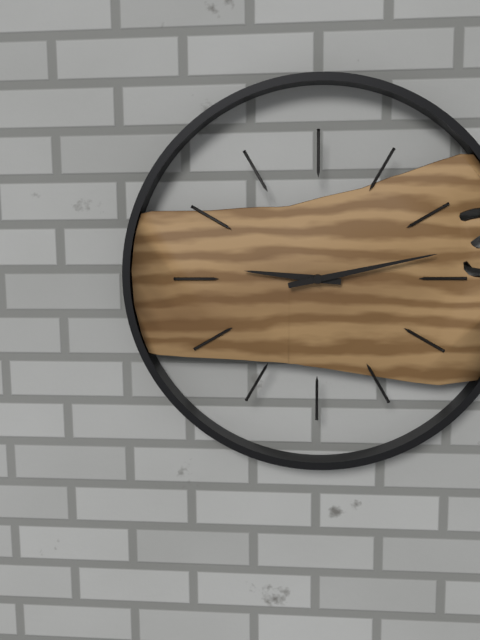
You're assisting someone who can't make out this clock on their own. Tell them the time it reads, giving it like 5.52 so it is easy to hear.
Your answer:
9.13
